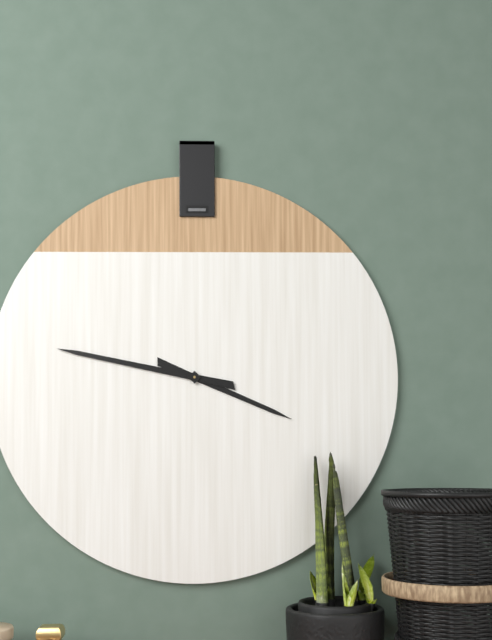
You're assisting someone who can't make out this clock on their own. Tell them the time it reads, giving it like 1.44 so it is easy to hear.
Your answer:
3.47
